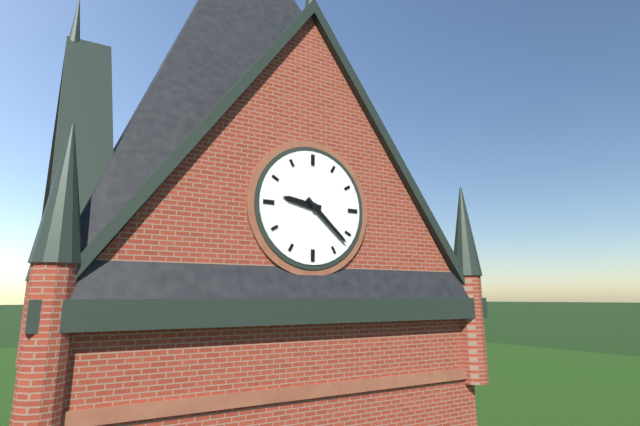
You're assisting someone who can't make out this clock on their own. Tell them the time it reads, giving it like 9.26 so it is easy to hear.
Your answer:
9.22
